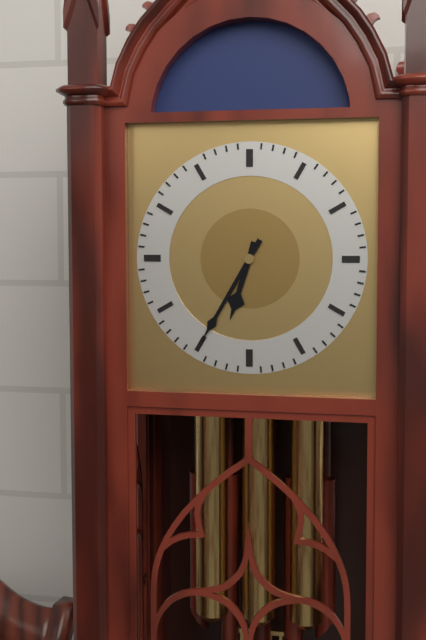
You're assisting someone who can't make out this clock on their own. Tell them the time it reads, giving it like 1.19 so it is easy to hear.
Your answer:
6.35
